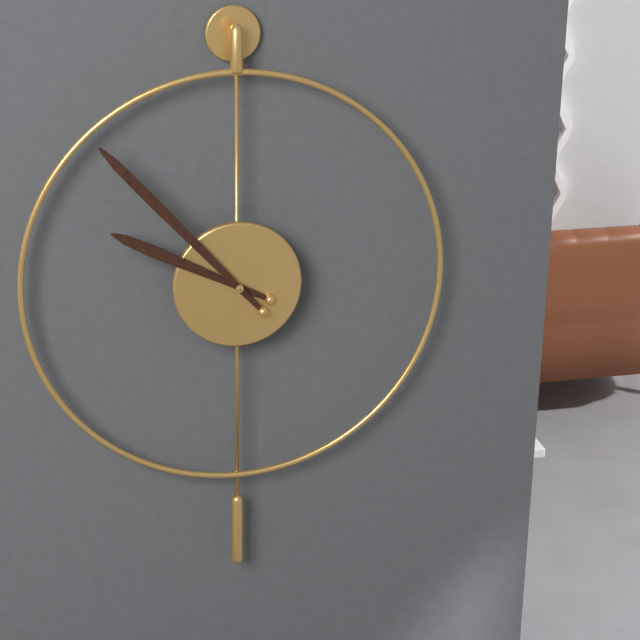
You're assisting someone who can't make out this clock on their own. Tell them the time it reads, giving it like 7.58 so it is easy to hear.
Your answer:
9.53
